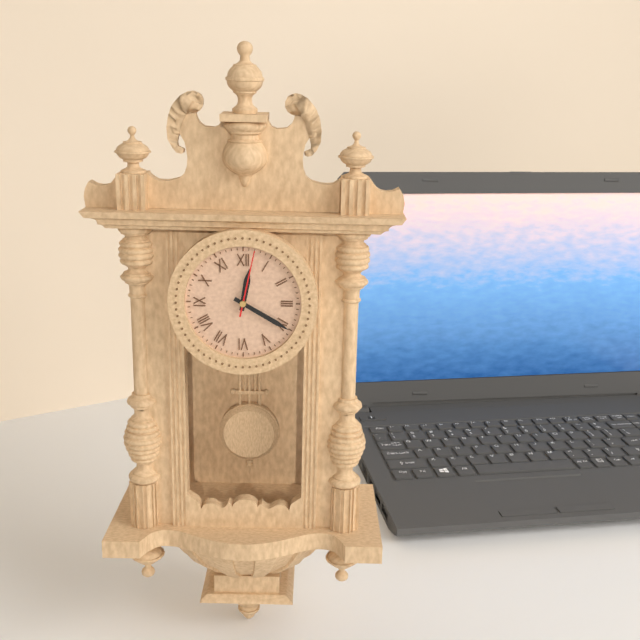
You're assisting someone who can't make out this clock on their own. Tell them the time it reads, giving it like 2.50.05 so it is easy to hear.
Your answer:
12.20.02
